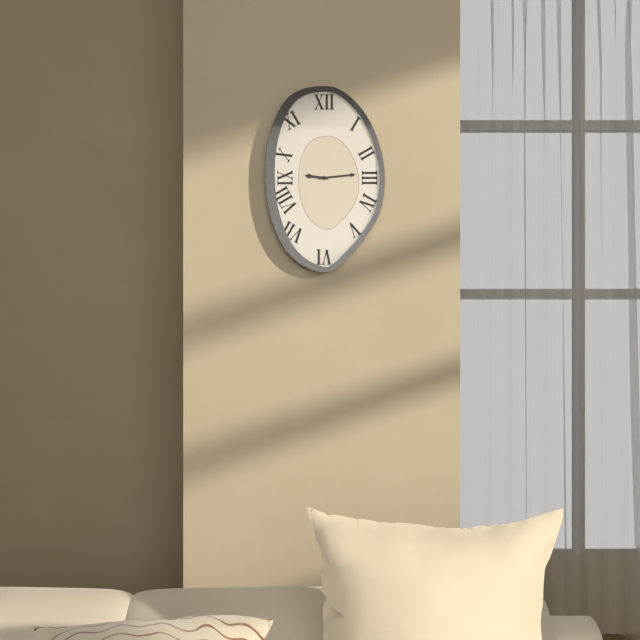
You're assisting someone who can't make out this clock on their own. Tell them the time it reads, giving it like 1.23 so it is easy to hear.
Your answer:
9.14
